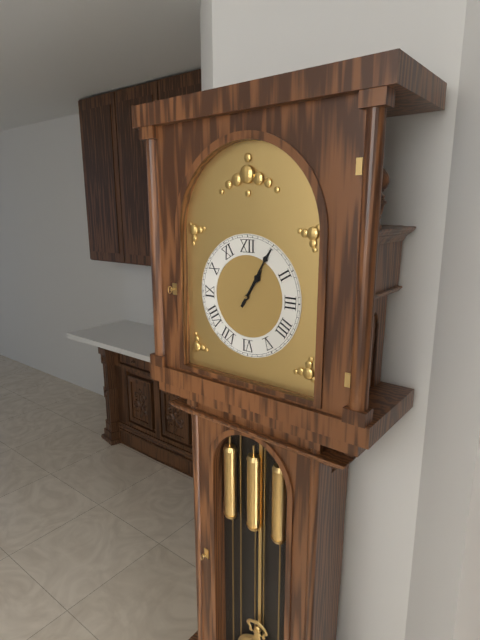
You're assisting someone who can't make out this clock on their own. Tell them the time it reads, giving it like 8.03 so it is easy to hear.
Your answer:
1.05
